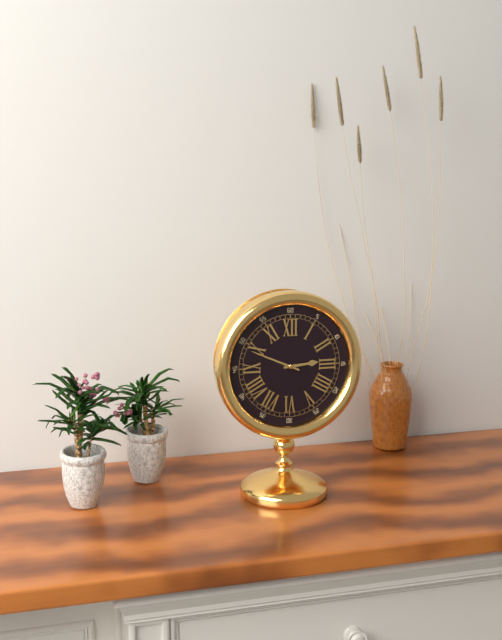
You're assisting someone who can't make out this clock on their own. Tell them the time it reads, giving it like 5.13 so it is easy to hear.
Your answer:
2.49
